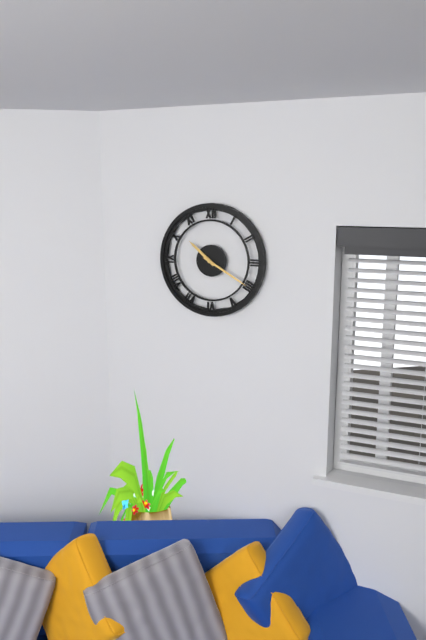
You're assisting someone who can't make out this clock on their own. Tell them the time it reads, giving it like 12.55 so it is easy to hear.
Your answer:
10.20
